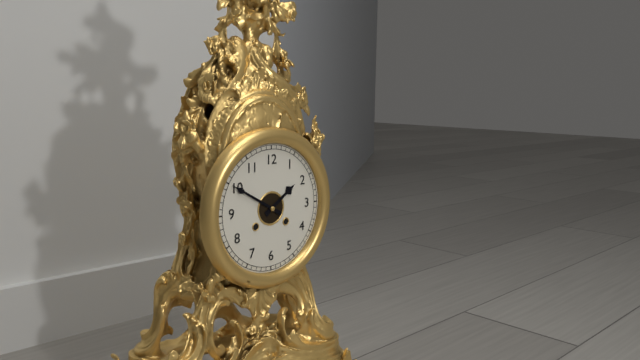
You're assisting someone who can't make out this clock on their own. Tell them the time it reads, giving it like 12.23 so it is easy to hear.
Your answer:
1.50
